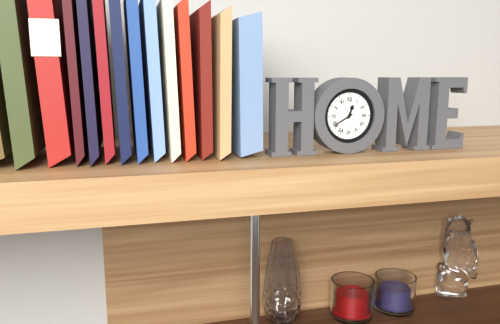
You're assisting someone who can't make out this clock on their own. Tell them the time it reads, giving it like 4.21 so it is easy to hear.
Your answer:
12.40
